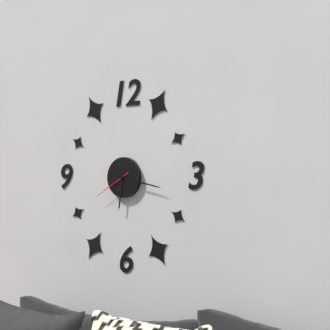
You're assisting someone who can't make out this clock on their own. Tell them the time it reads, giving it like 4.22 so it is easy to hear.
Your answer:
6.17
